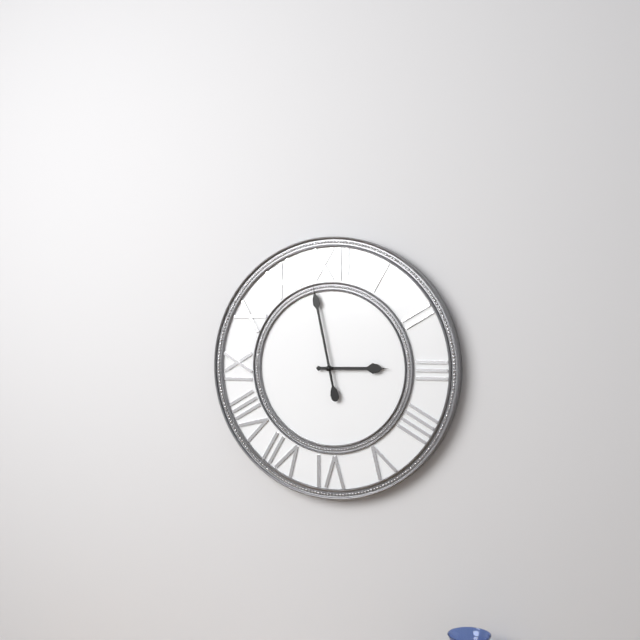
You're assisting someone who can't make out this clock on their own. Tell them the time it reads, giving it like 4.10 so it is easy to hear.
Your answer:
2.58
